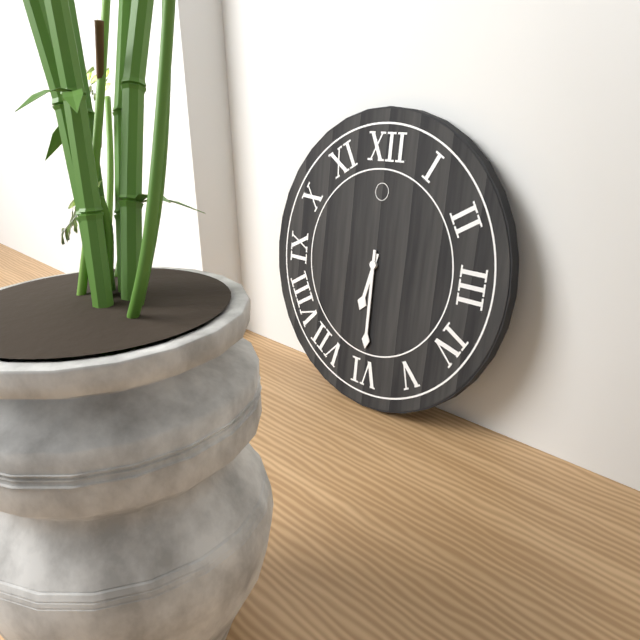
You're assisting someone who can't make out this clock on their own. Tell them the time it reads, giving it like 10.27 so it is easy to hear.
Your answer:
6.30
